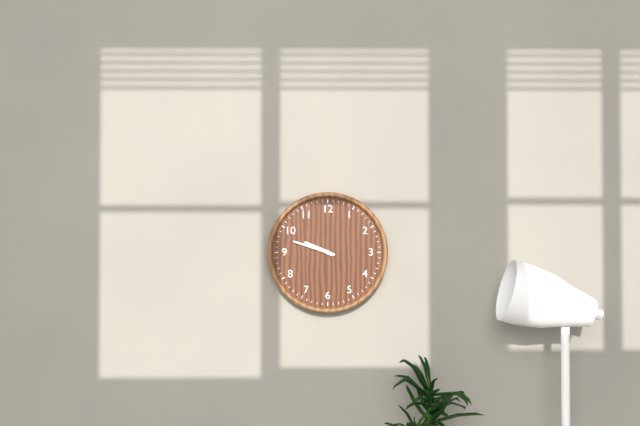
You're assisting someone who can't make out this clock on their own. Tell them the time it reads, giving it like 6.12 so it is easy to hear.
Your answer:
9.48
